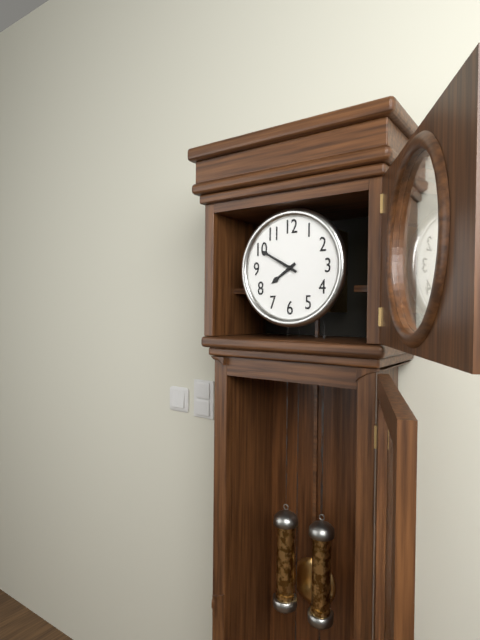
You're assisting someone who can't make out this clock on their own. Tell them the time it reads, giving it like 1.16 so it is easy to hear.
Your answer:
7.50
